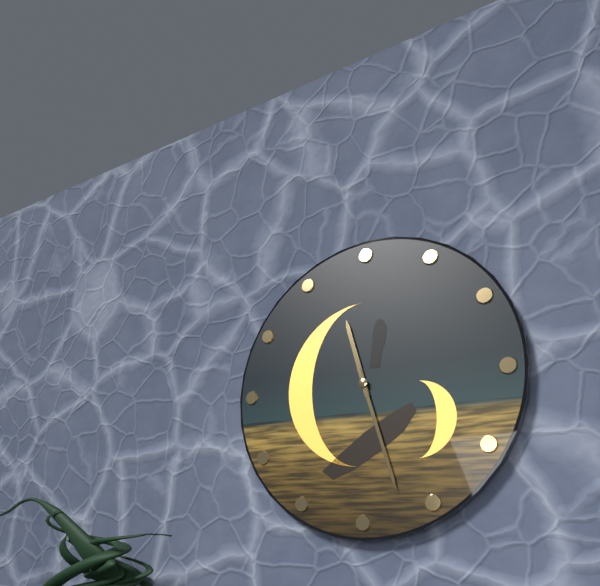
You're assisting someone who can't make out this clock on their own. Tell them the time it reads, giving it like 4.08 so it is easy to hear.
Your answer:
11.27
